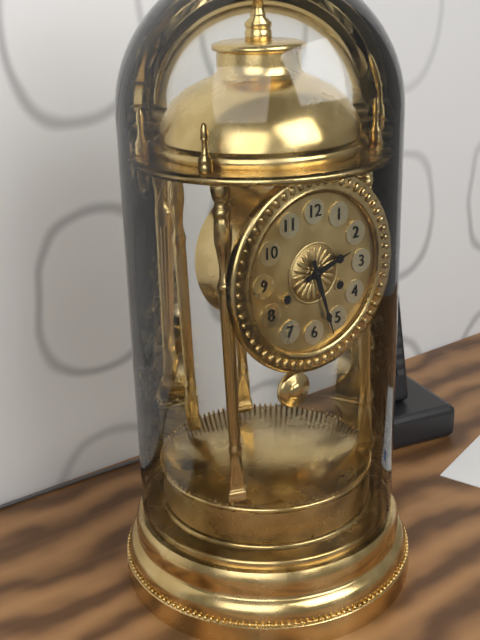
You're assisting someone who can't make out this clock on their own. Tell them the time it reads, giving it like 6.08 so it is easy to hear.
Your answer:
2.27
